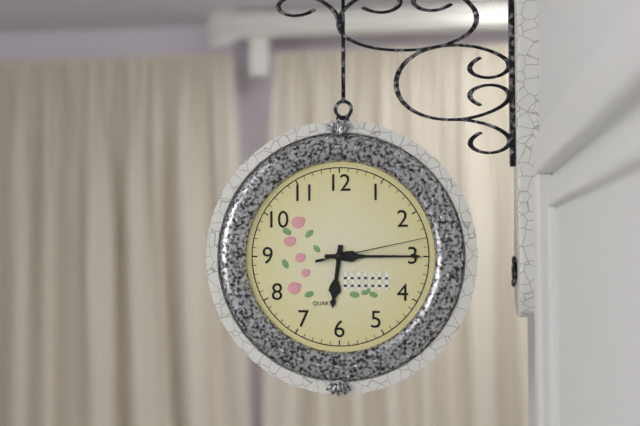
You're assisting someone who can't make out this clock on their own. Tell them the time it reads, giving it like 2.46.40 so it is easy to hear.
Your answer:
6.15.13
